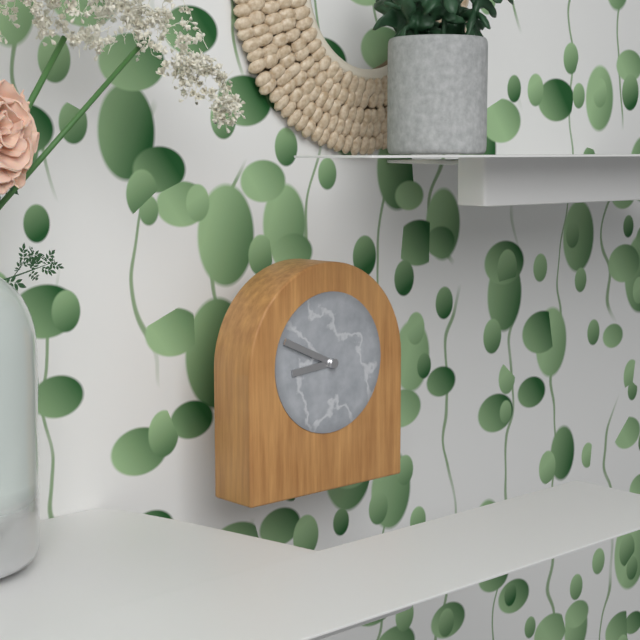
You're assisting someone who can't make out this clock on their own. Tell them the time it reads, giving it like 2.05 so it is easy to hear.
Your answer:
8.49
